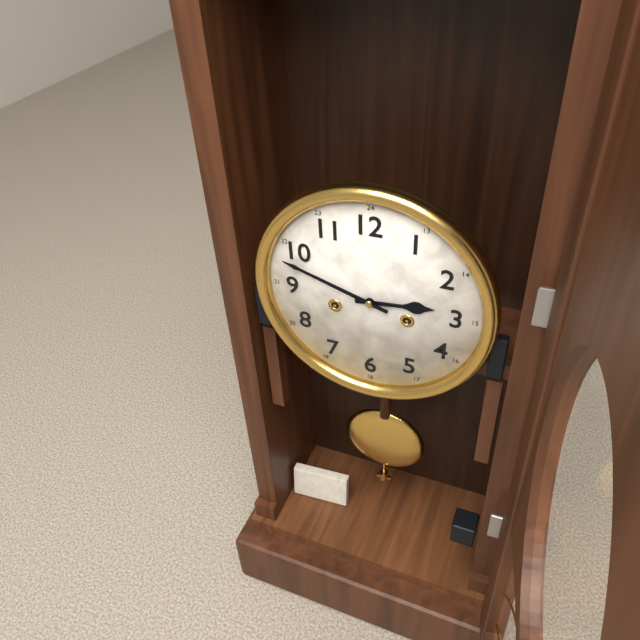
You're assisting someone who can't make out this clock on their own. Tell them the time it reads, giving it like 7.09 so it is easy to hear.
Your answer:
2.48
